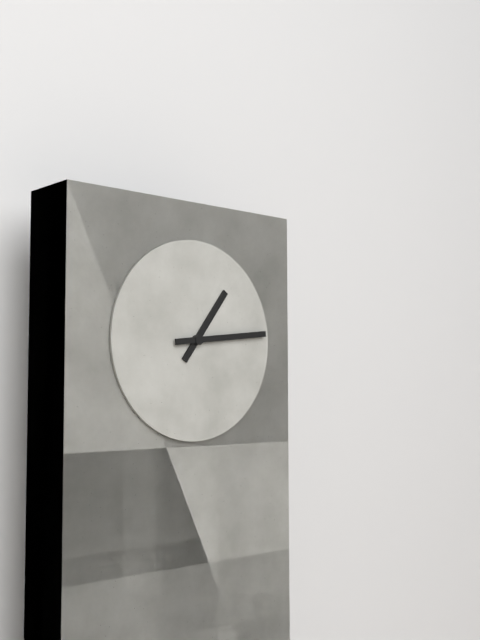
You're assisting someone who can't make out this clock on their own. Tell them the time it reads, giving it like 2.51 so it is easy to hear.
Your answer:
1.14
